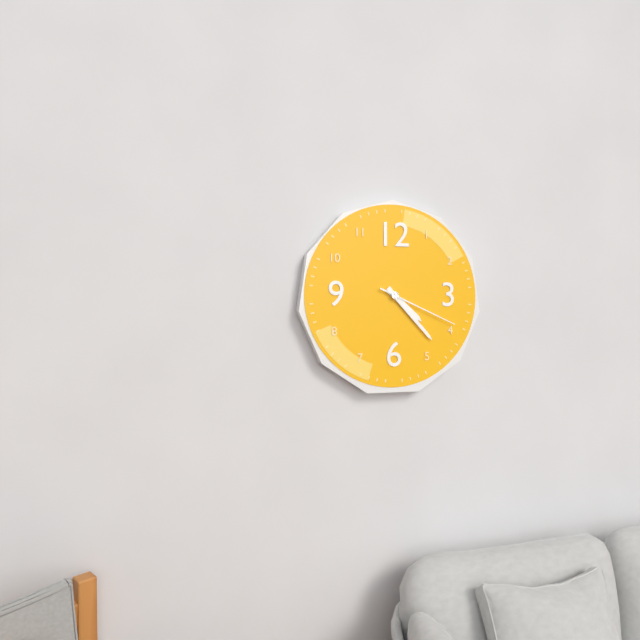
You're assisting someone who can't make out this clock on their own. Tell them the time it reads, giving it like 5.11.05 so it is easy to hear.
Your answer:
4.23.19
